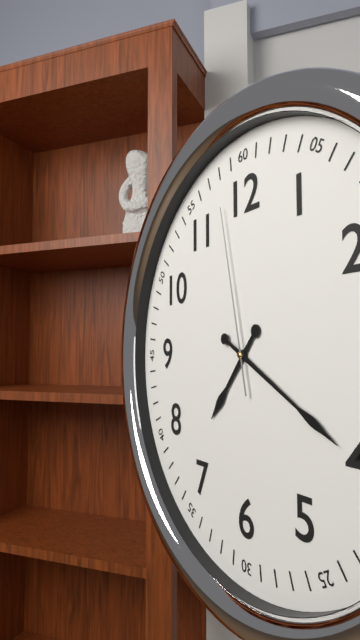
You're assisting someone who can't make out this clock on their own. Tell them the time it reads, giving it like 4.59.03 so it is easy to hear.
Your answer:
7.20.58
